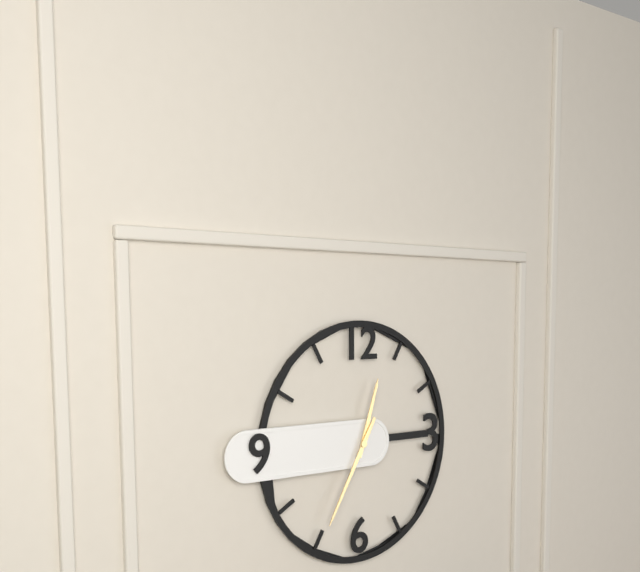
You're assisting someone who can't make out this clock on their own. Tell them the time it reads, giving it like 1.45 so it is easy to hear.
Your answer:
12.35
